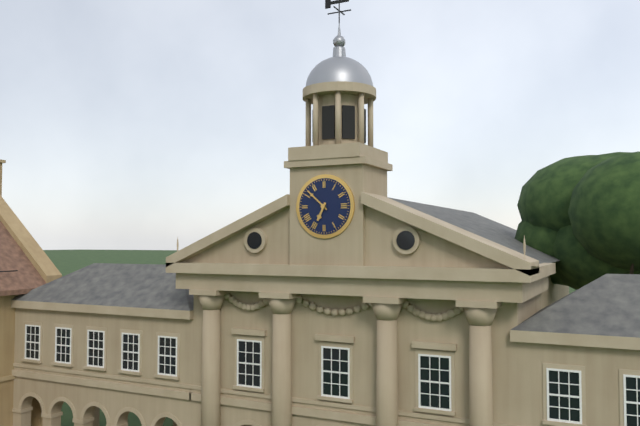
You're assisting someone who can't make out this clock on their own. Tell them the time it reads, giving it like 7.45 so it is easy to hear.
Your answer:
6.52
